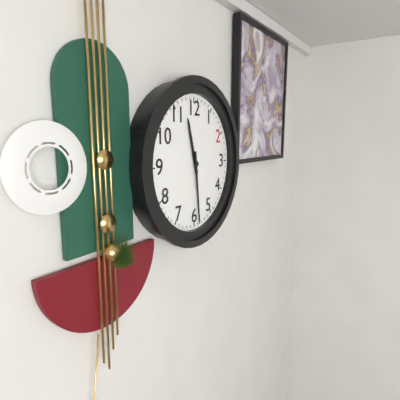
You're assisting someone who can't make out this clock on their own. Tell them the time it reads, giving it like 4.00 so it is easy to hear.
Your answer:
11.29
